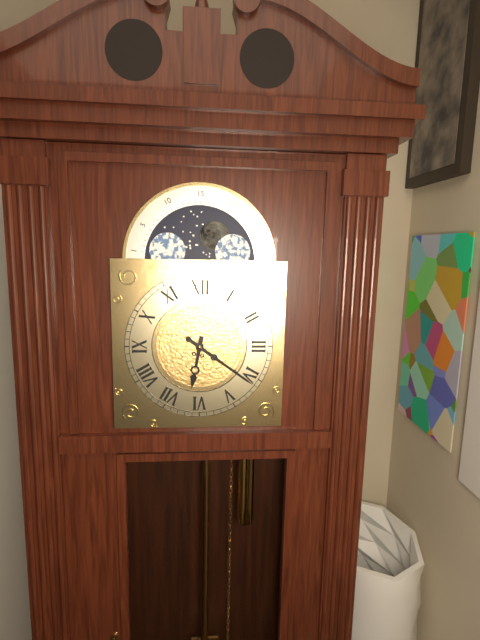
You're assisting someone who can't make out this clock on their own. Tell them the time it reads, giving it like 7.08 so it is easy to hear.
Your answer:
6.21
